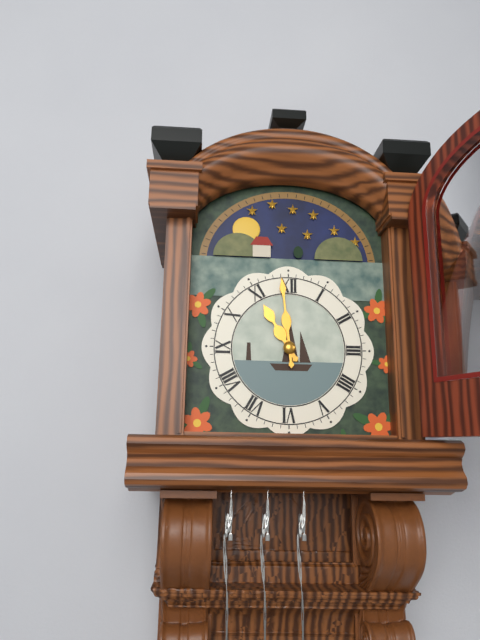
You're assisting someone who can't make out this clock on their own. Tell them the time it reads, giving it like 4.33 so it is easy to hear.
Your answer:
10.59
